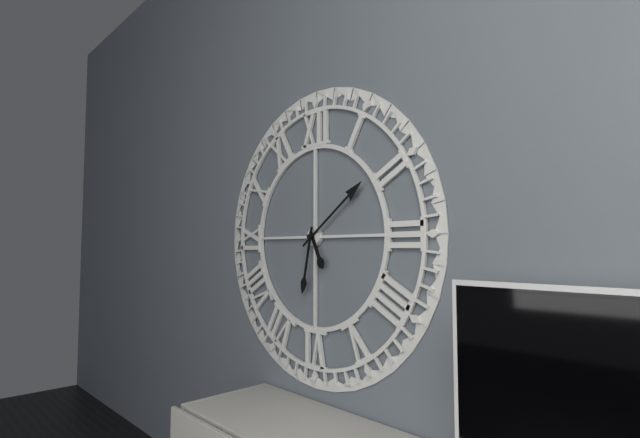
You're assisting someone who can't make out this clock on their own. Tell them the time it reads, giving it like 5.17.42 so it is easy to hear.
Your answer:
5.09.32
